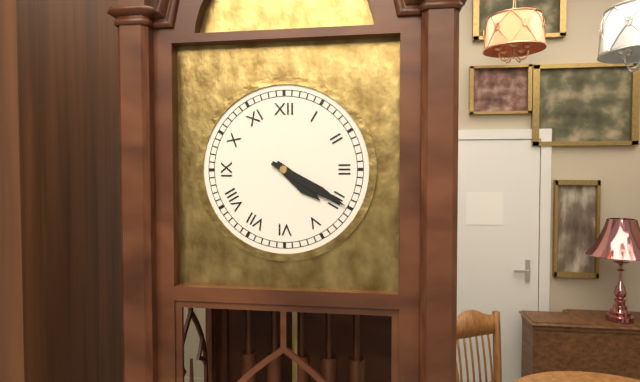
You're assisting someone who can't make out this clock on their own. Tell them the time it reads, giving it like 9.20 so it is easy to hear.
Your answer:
4.20
